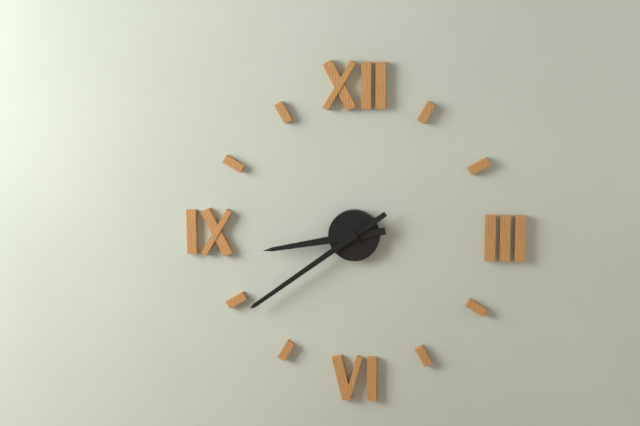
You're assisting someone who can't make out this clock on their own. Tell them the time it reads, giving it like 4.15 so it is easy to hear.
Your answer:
8.39
